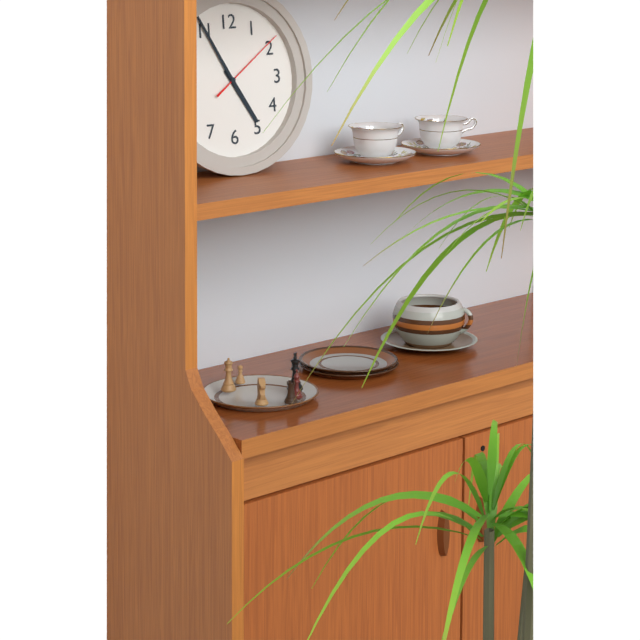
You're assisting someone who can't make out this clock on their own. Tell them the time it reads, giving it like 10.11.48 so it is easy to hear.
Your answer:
4.55.09
